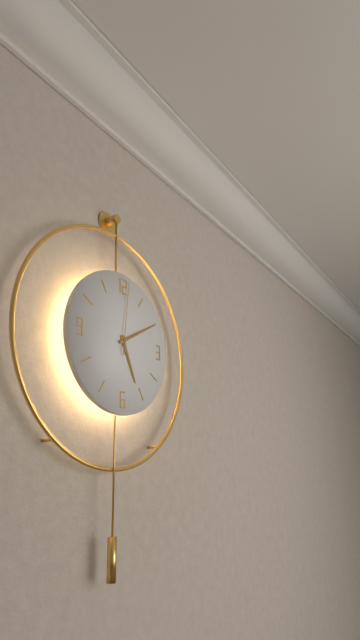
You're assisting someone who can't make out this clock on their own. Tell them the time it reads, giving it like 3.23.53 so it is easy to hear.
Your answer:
5.10.01
